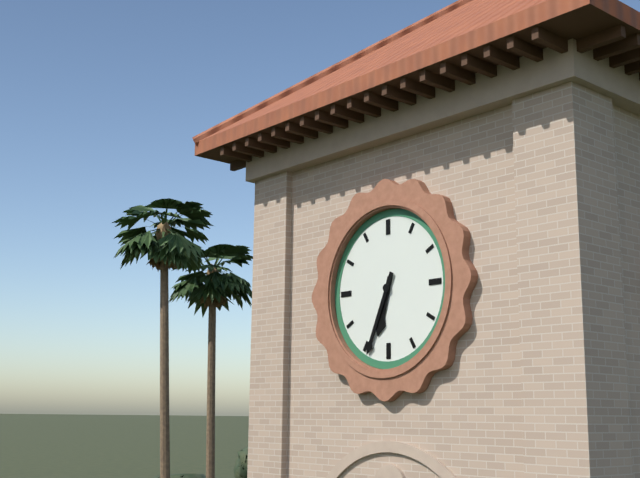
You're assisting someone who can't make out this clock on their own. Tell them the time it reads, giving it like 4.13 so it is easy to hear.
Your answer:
6.34
